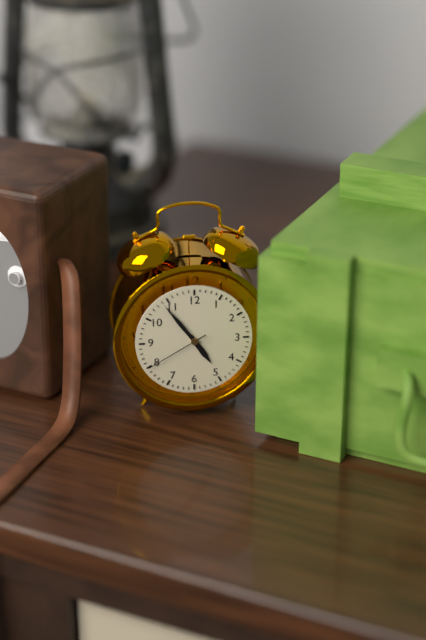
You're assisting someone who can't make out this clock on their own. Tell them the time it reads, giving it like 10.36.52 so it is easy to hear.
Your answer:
4.54.40
